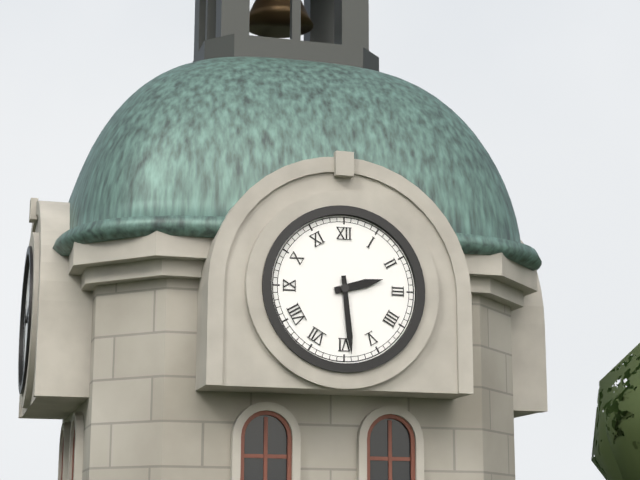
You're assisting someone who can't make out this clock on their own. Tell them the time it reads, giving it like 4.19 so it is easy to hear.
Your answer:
2.29
